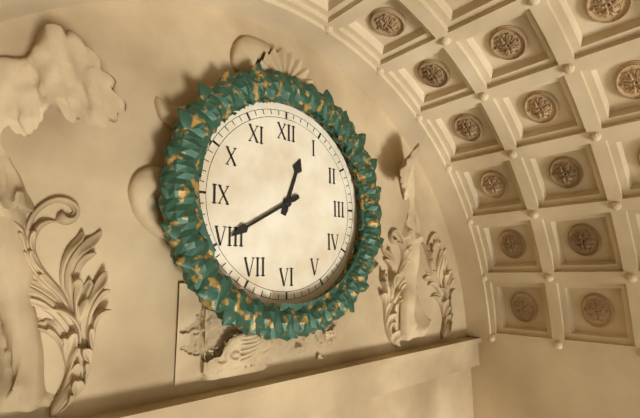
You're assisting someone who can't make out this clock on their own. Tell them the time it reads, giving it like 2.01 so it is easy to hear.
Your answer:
12.40
